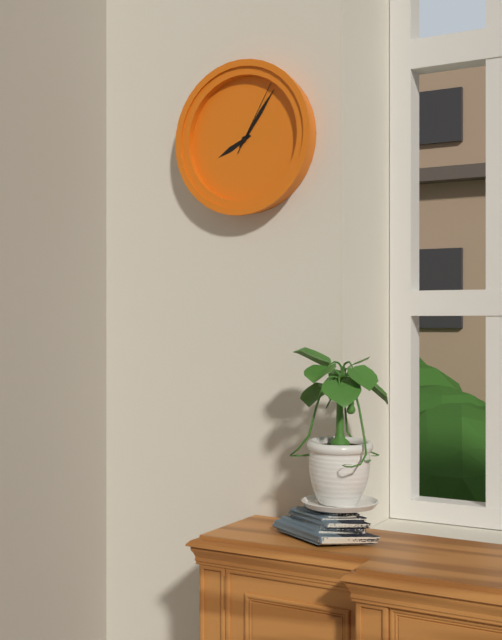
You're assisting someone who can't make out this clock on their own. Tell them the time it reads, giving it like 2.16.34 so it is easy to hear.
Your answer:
8.06.05
